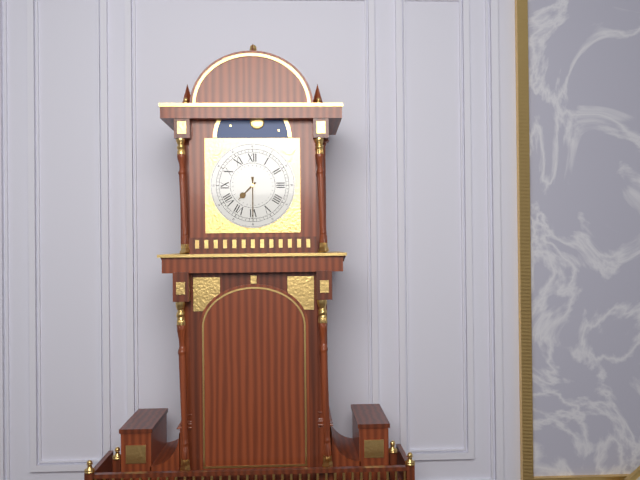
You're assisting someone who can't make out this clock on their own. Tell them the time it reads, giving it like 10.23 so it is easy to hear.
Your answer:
7.30
